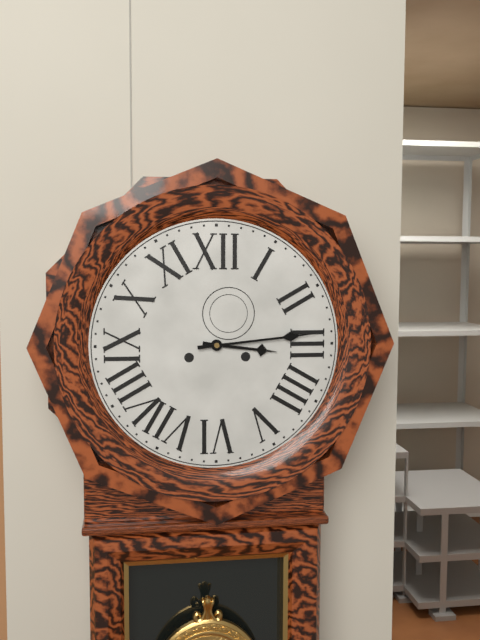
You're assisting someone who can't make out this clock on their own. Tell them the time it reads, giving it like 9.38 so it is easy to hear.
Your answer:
3.14
